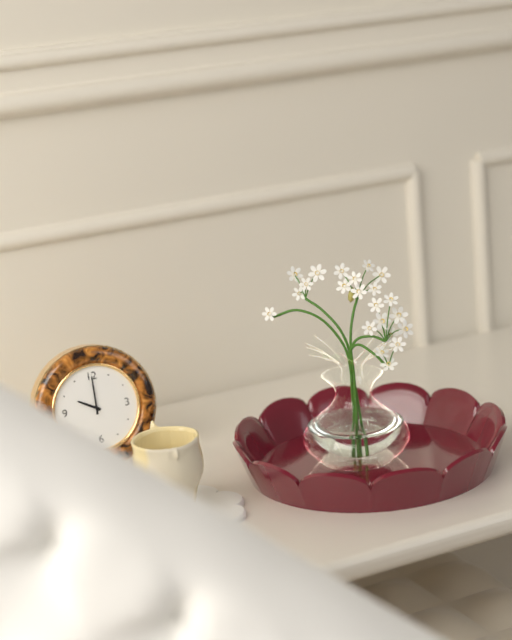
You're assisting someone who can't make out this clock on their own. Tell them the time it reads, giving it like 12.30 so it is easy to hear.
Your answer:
10.00
